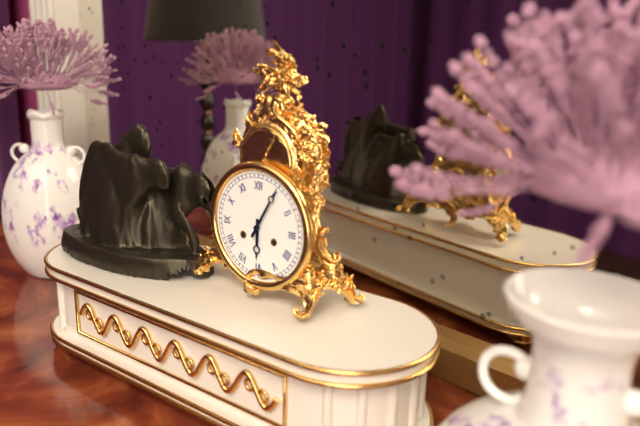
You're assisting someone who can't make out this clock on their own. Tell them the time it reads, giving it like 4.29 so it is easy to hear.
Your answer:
6.05
